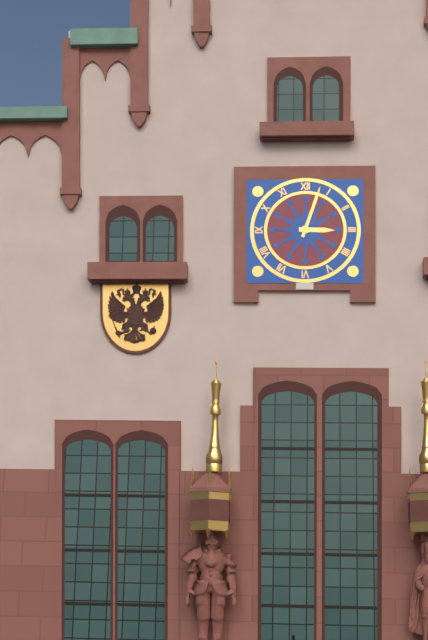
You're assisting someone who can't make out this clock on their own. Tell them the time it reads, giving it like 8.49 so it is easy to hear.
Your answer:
3.03
